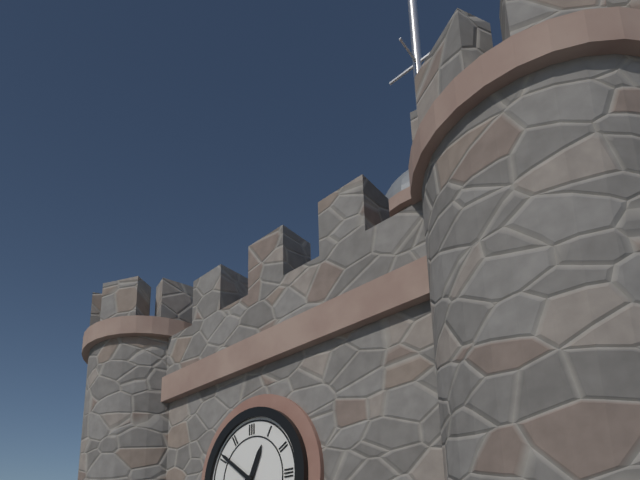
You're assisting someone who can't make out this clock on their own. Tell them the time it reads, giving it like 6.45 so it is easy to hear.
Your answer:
12.51
